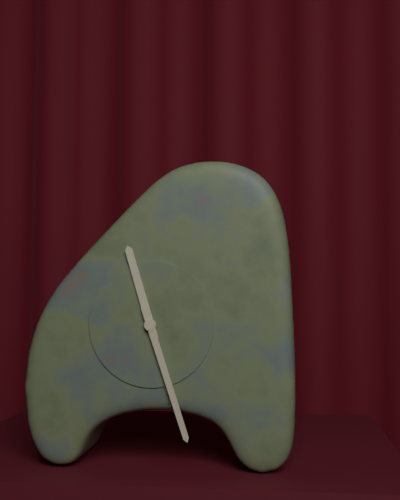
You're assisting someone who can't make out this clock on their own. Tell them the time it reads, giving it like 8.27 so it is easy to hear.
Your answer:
11.27
